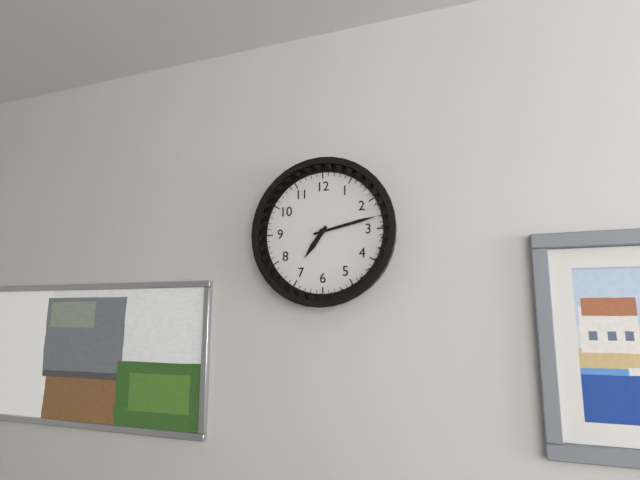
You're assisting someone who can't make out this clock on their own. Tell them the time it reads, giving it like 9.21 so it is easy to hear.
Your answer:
7.13
